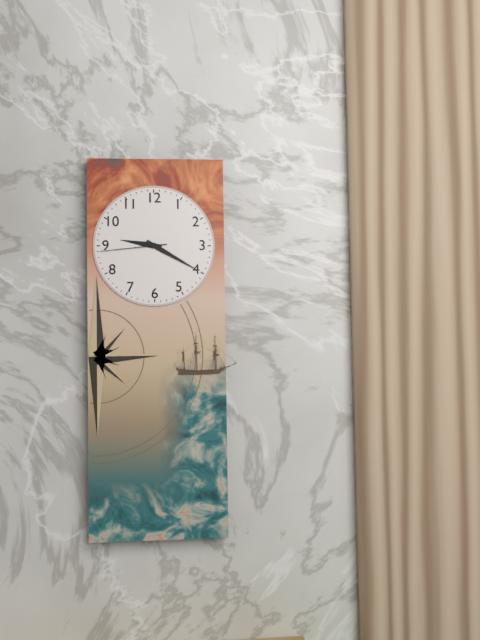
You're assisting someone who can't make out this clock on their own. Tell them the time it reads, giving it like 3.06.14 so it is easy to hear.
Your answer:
9.20.44
